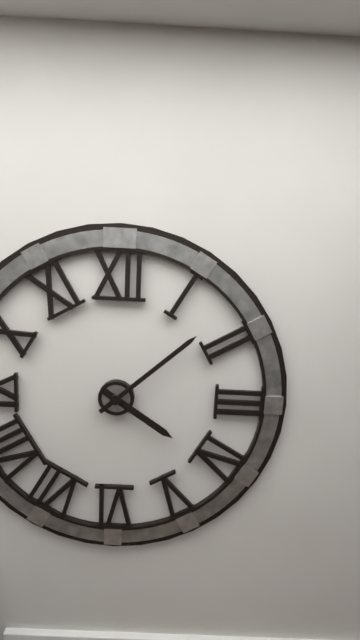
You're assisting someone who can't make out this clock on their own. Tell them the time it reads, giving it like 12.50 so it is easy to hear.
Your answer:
4.08
